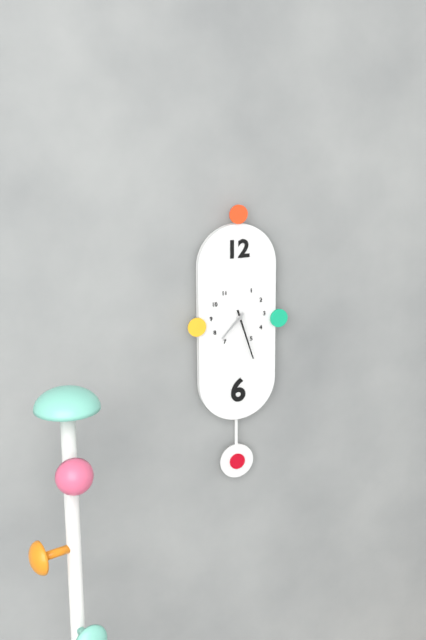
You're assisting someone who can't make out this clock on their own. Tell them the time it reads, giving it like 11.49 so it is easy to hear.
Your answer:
7.27
